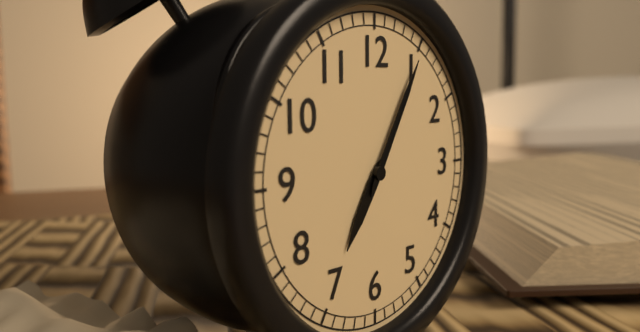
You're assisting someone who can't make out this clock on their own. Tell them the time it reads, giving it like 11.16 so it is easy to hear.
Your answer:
7.05
